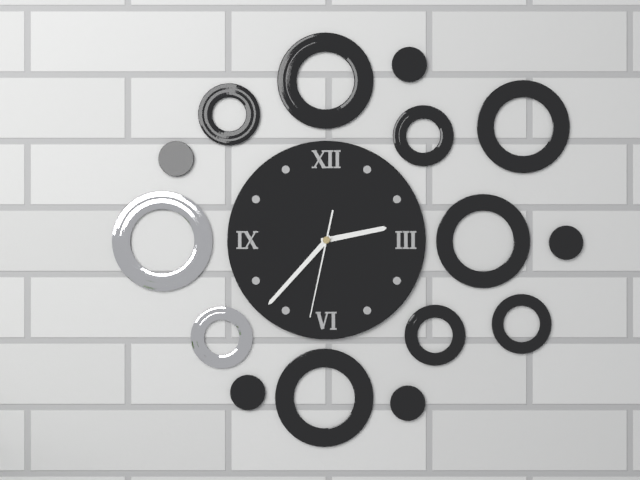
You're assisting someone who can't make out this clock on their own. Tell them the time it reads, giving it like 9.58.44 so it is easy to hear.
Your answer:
2.37.32
